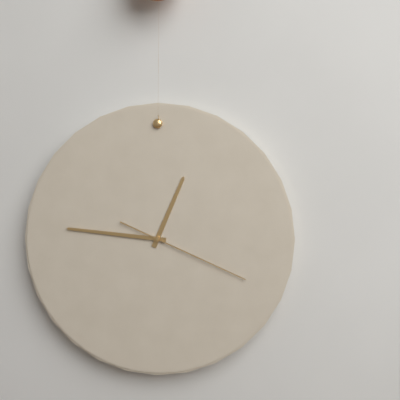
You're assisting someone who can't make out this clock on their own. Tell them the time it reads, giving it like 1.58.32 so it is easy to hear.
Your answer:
12.46.19
